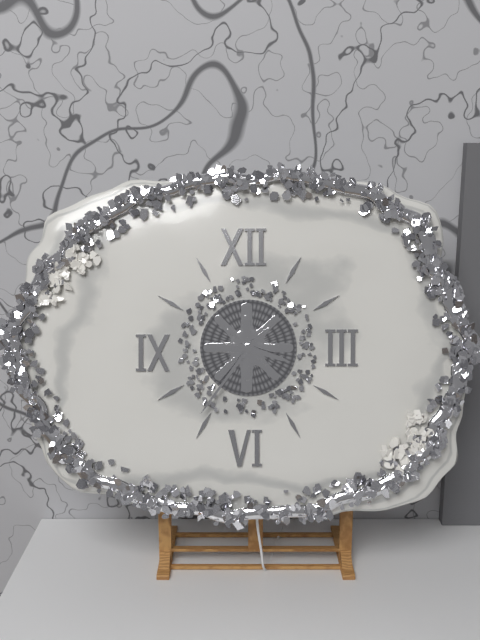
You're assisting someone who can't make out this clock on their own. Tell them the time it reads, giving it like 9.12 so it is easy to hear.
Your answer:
3.36
